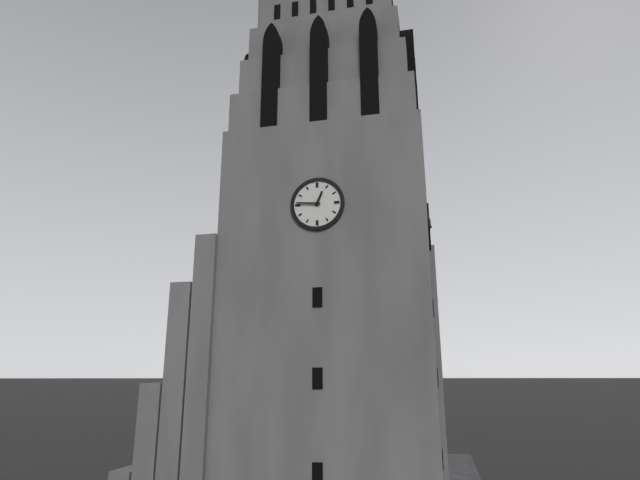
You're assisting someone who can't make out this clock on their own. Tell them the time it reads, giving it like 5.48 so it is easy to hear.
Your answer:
12.46
